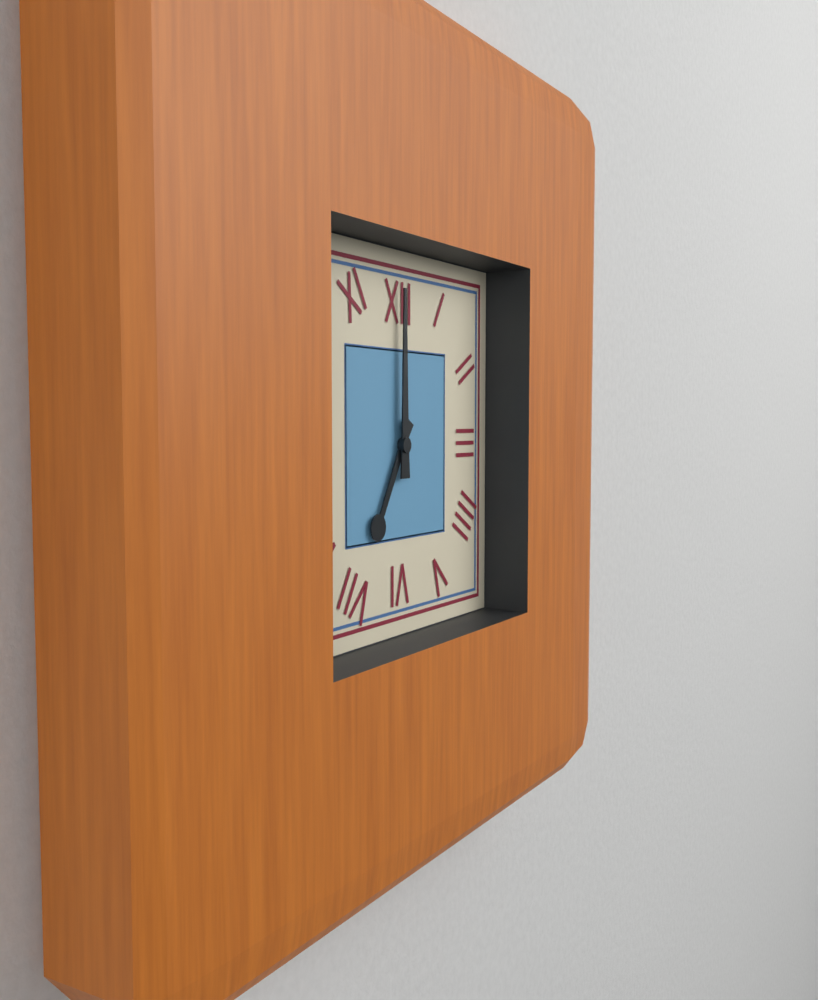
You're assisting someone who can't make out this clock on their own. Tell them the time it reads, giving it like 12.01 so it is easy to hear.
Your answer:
7.00
